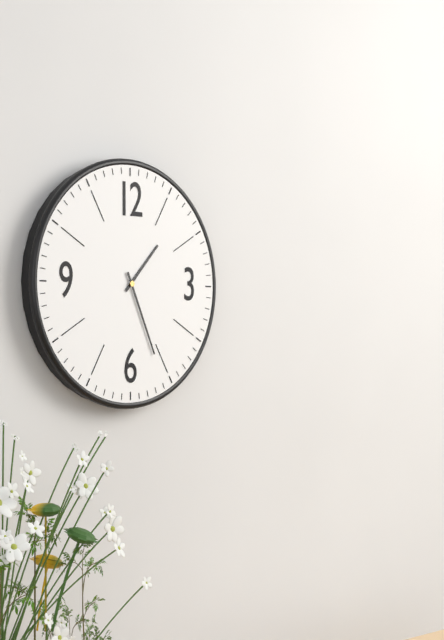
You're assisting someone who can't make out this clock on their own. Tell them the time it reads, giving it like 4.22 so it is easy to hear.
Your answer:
1.26
